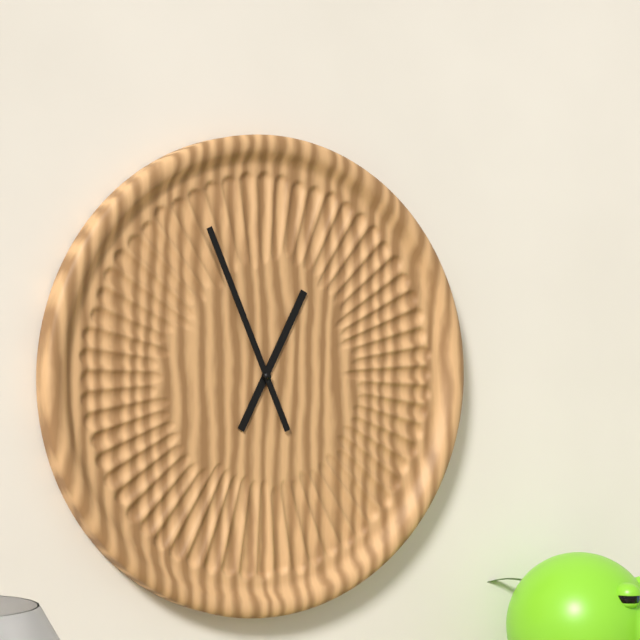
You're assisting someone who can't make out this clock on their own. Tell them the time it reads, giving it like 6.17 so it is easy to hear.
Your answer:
12.56
